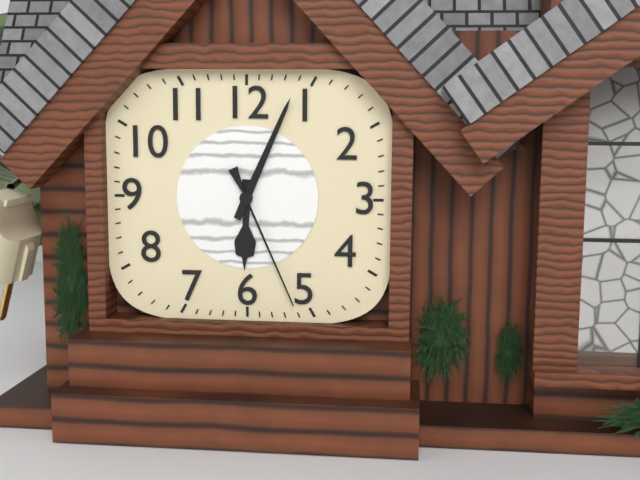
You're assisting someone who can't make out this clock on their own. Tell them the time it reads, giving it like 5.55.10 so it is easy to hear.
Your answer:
6.04.26
